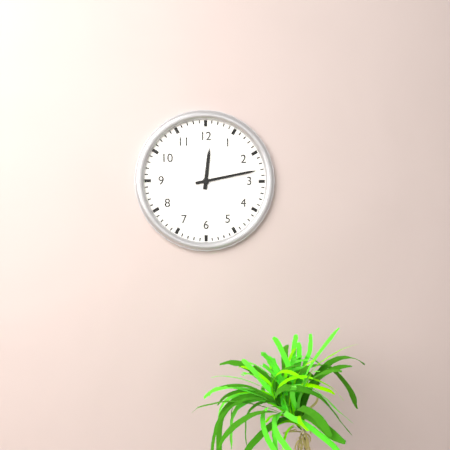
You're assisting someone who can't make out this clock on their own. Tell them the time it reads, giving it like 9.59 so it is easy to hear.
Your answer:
12.13
